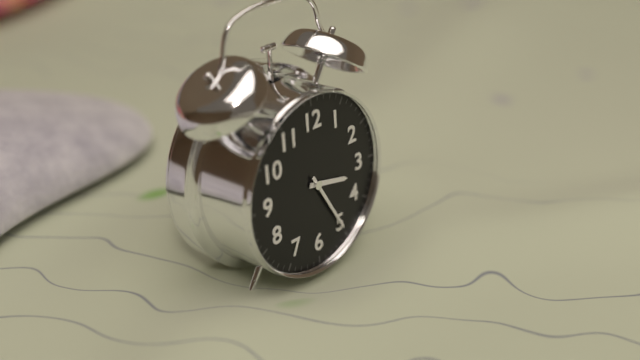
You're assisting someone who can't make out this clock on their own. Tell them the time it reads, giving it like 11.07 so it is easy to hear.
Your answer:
3.25
